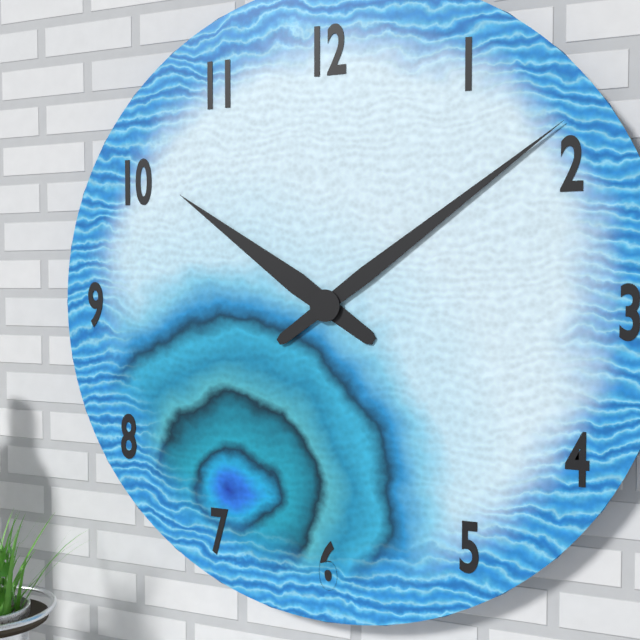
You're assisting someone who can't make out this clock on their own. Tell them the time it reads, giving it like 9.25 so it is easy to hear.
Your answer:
10.09
